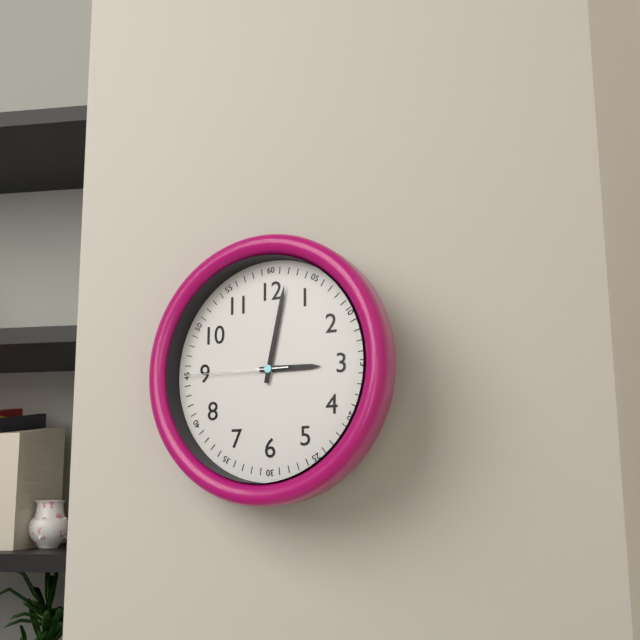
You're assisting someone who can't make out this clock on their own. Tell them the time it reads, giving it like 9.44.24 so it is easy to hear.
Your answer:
3.02.45
